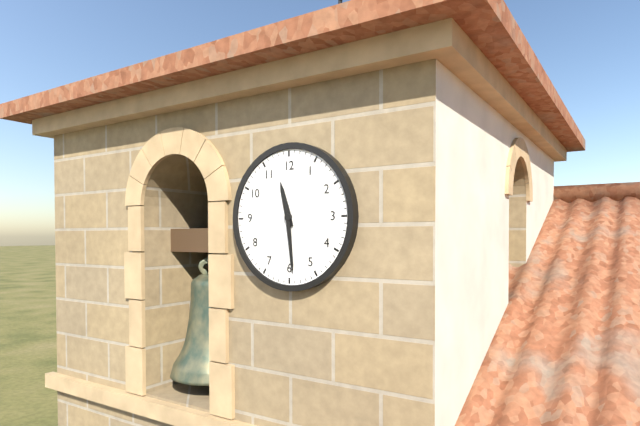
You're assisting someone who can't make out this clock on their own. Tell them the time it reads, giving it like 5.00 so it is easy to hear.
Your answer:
11.29
